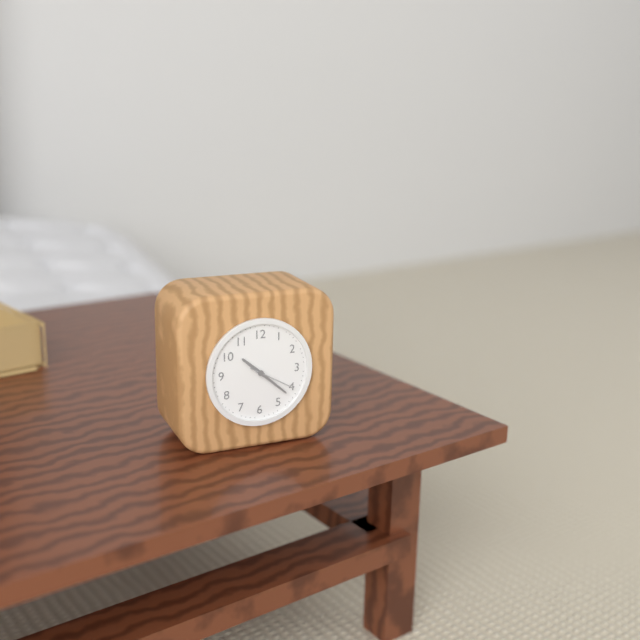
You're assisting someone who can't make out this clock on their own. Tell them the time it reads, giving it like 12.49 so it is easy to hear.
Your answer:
10.22
